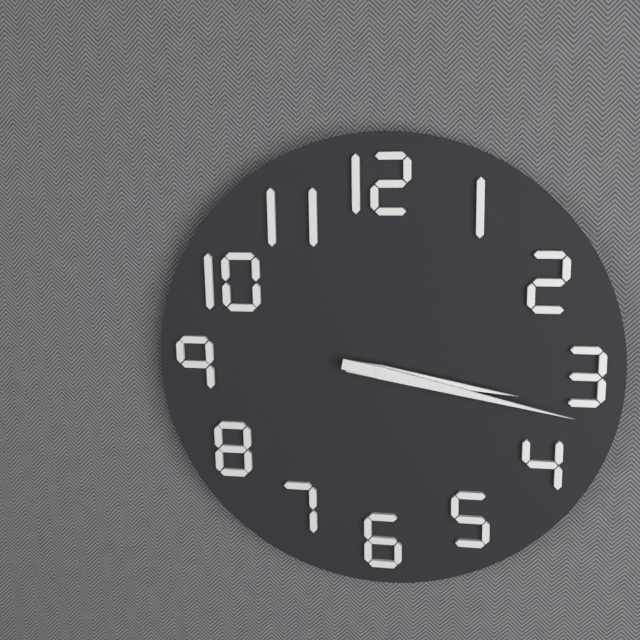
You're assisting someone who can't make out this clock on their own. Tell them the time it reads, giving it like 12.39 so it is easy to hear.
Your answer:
3.17
